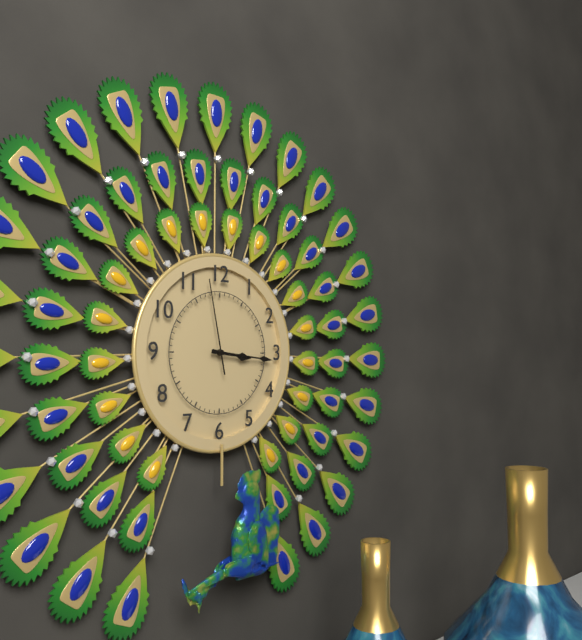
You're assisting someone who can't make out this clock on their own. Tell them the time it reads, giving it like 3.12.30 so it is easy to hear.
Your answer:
3.16.58
